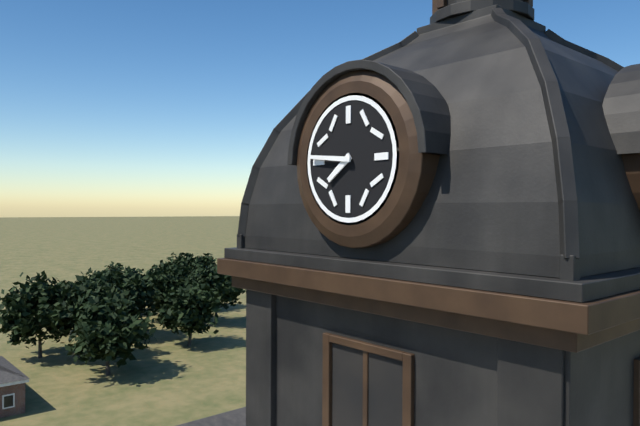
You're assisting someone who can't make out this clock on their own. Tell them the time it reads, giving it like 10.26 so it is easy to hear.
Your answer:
7.46
